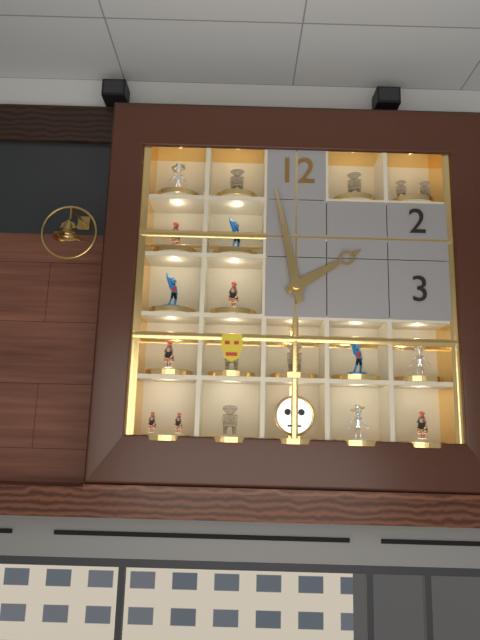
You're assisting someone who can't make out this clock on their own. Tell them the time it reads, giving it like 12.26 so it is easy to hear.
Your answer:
1.58
